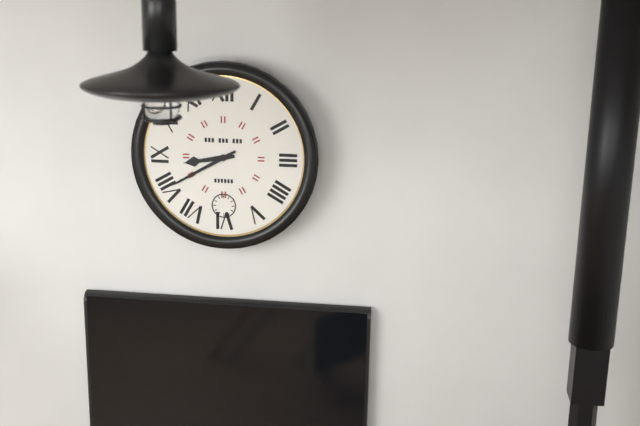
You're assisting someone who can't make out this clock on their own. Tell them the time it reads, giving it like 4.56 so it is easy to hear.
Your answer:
8.40
